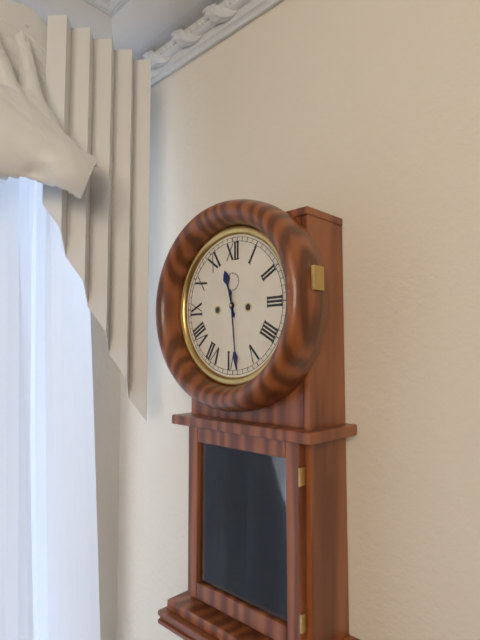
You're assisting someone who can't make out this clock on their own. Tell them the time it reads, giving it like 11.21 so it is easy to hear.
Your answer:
11.29
